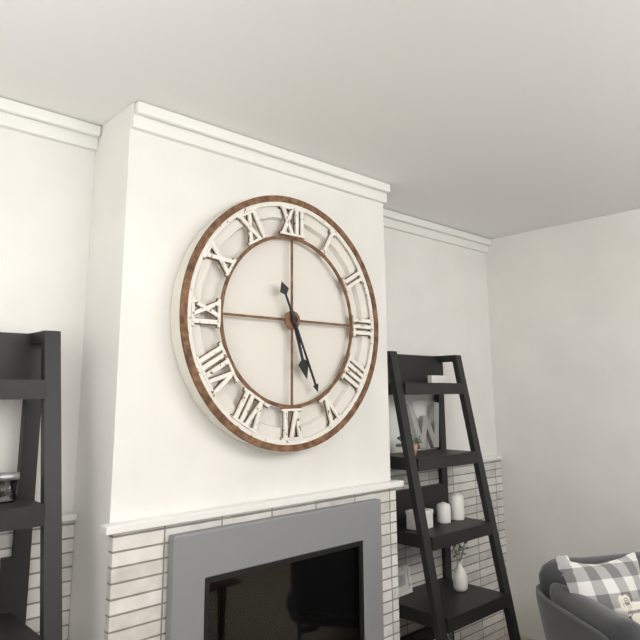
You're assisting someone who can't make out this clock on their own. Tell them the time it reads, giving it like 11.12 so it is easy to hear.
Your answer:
5.26
